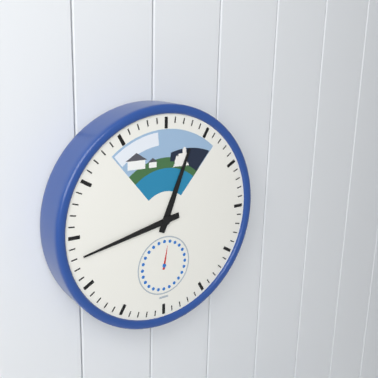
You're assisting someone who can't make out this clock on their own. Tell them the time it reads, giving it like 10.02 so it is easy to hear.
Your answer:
12.43
